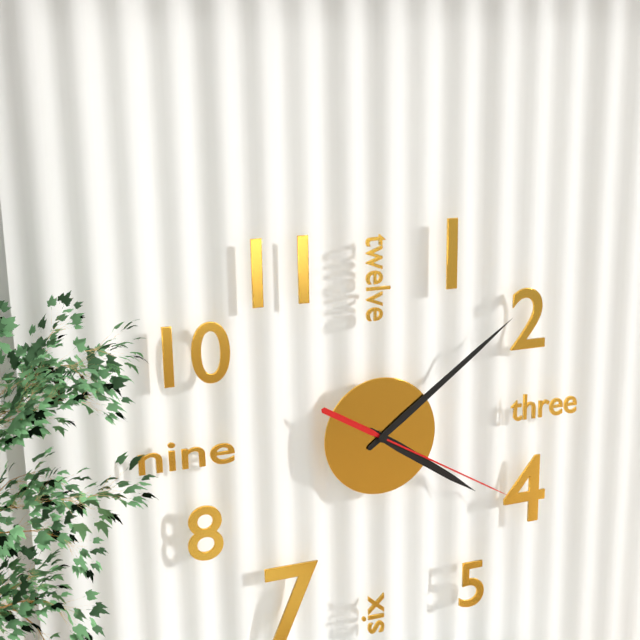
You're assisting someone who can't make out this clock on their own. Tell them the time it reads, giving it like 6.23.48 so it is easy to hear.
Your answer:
4.09.20
